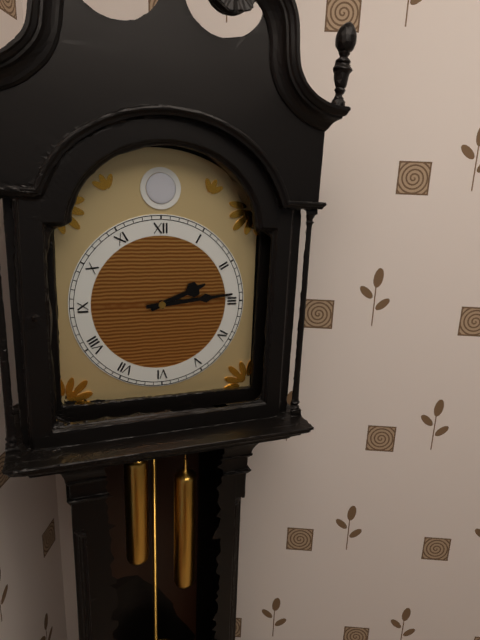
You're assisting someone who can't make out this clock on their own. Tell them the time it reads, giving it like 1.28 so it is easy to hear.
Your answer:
2.14
